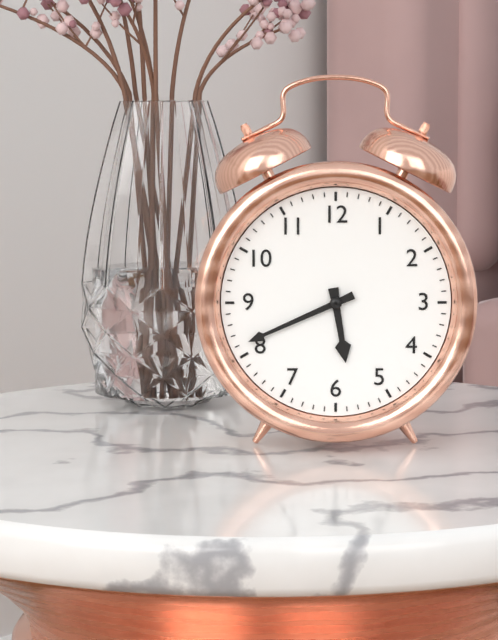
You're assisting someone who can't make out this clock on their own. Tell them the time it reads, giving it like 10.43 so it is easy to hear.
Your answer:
5.41
